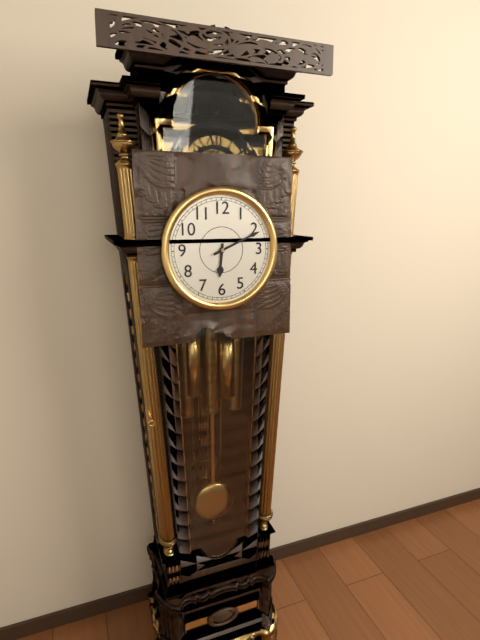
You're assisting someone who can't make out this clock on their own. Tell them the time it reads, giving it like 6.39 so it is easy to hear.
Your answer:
6.11
